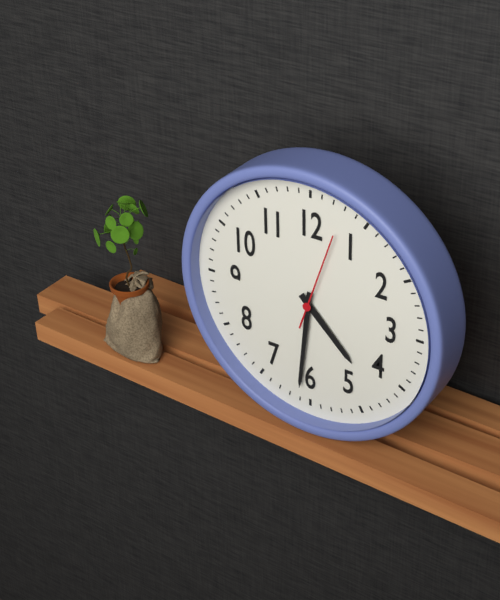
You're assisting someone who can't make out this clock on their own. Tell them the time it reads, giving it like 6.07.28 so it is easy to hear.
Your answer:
4.31.03
